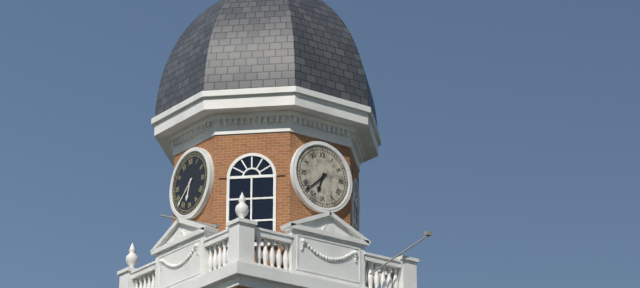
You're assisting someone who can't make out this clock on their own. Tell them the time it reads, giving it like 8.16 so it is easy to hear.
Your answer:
6.38
